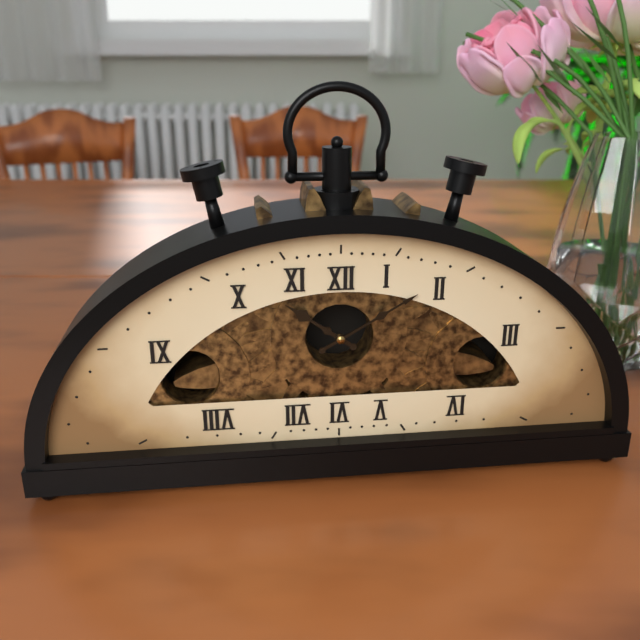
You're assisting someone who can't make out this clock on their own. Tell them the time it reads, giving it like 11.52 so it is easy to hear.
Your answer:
10.10
